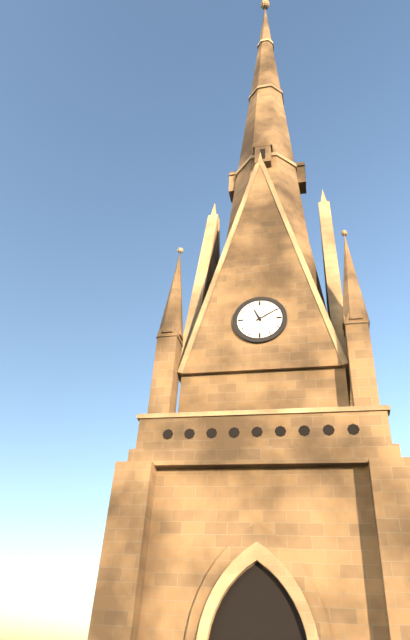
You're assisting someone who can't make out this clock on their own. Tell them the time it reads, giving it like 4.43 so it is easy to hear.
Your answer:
11.10
